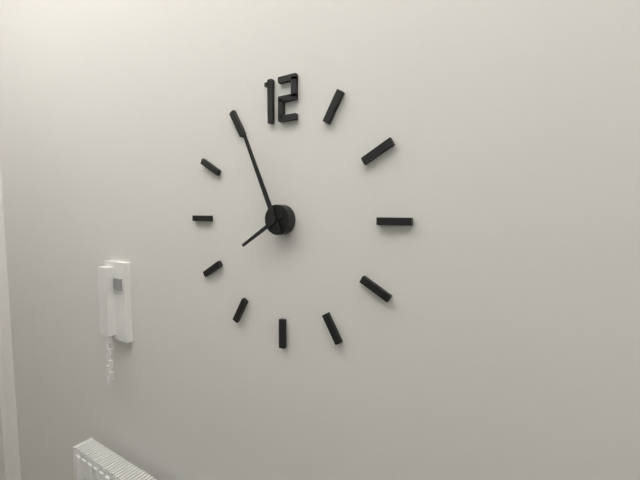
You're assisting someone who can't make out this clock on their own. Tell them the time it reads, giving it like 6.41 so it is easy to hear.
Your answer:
7.56
